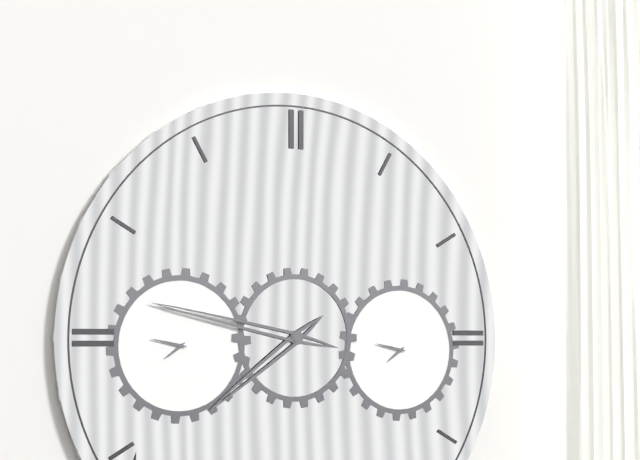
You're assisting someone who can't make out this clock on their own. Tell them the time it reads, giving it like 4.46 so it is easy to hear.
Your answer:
7.47
